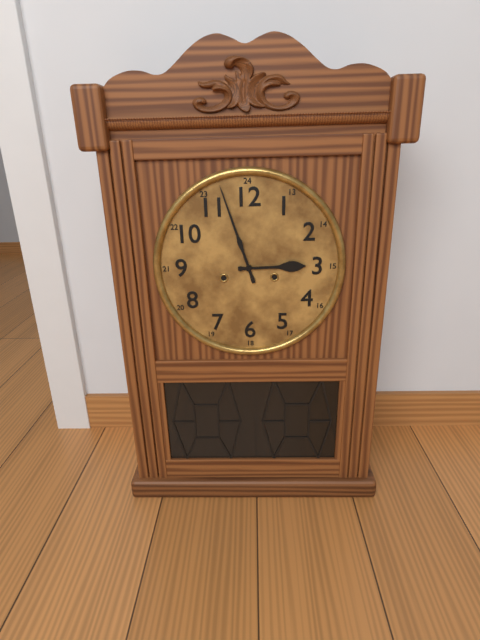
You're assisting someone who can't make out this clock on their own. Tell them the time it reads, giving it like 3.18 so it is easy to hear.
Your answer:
2.57
